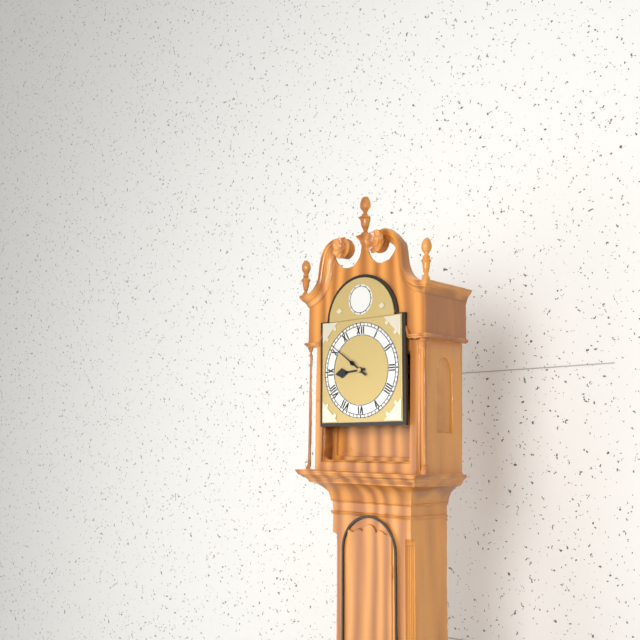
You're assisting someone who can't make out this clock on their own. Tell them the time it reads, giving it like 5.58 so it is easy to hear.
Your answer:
8.51
